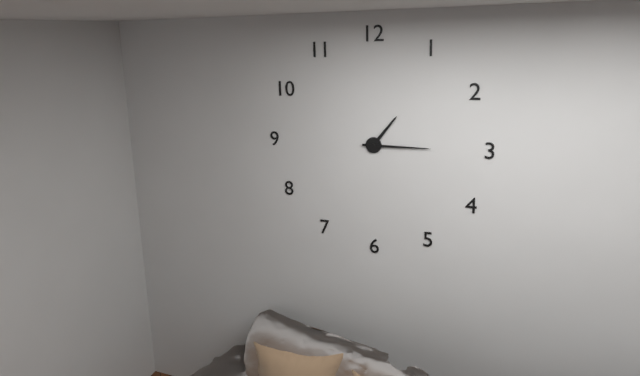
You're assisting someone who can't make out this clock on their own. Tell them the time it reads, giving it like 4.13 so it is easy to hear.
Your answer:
1.15
